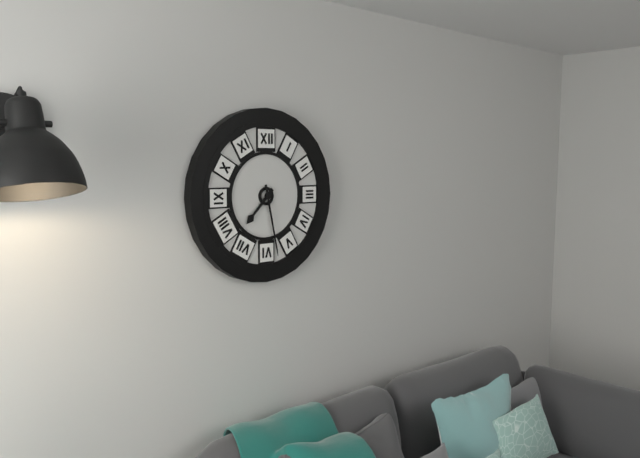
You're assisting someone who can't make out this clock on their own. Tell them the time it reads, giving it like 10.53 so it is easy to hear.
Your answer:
7.28
